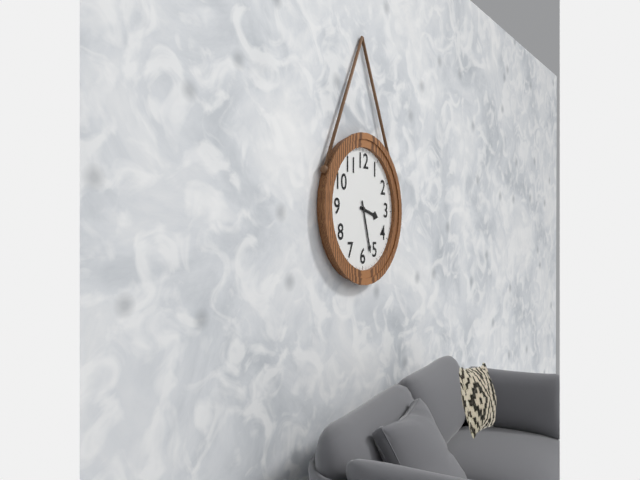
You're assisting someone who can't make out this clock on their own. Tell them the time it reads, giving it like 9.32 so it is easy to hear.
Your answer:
3.27
